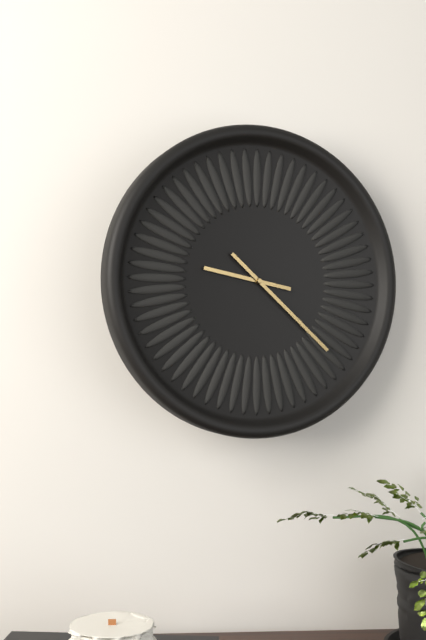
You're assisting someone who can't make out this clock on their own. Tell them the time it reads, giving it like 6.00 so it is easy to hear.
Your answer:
9.22
